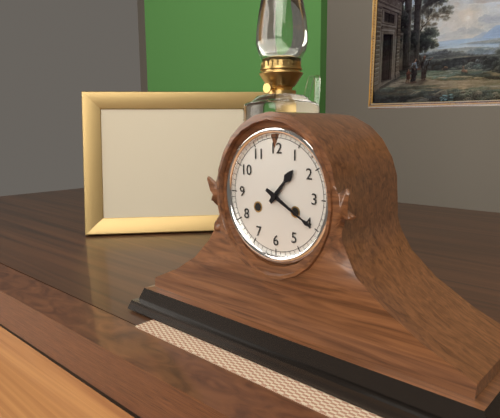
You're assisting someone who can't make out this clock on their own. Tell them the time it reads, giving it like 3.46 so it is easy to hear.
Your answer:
1.20
